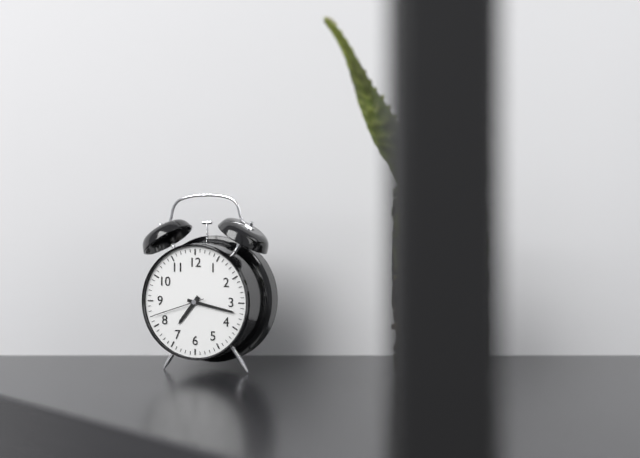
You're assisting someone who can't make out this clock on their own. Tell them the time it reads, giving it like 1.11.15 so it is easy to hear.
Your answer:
7.17.42
